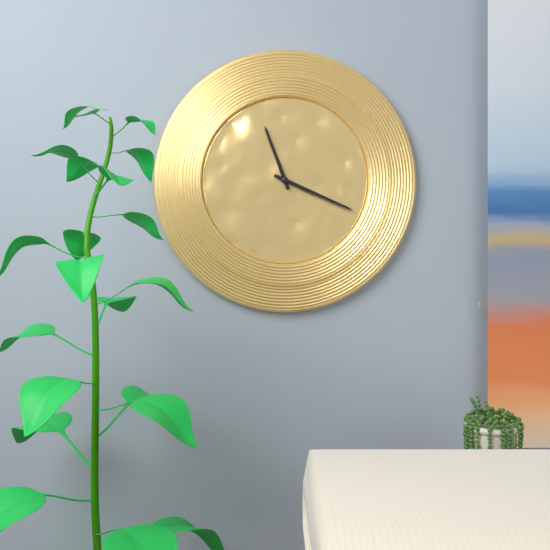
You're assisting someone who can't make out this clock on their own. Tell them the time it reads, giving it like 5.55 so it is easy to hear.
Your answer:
11.19
